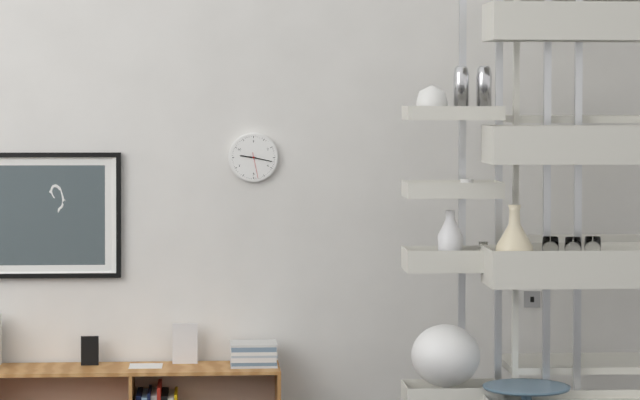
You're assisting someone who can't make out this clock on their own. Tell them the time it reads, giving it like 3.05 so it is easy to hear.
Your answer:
9.17
